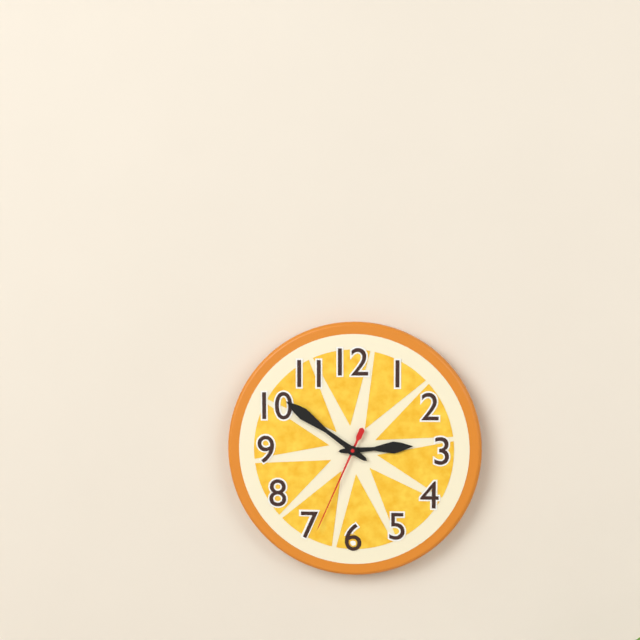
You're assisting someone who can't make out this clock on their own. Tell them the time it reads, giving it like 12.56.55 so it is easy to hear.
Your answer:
2.51.34
